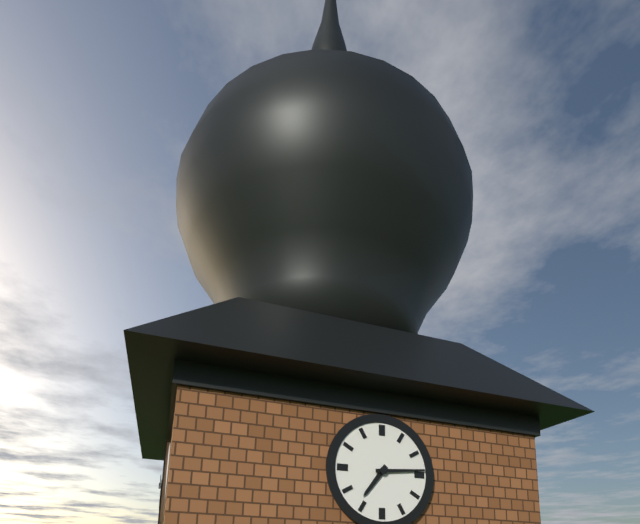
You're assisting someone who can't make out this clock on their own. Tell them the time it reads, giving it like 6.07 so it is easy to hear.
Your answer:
7.14
